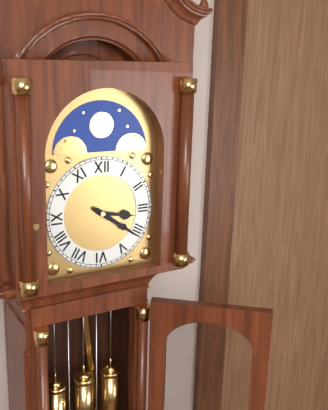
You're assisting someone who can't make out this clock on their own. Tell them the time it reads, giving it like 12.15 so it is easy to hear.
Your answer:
3.21
